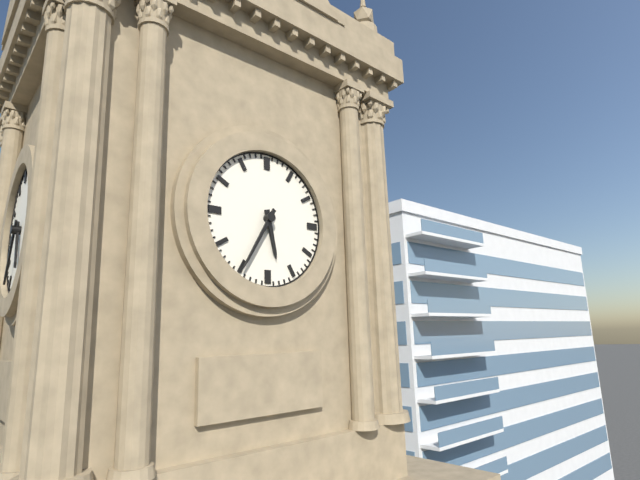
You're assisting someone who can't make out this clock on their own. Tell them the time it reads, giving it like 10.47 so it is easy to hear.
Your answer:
5.35
